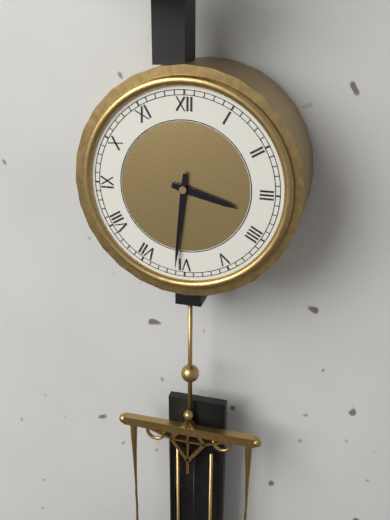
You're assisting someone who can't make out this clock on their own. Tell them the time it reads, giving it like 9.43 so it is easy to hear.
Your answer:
3.31
